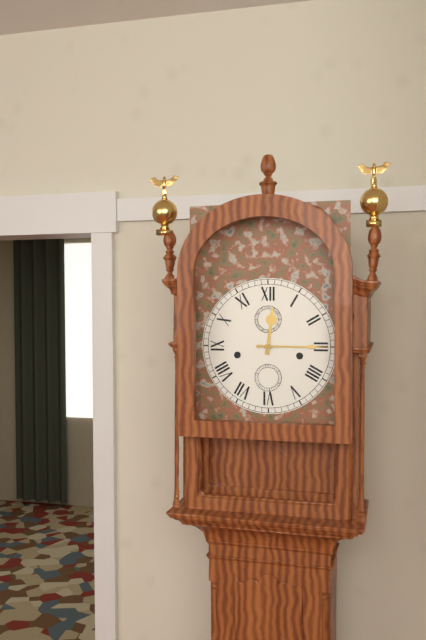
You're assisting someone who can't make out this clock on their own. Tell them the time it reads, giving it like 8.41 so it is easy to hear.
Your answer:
12.15
